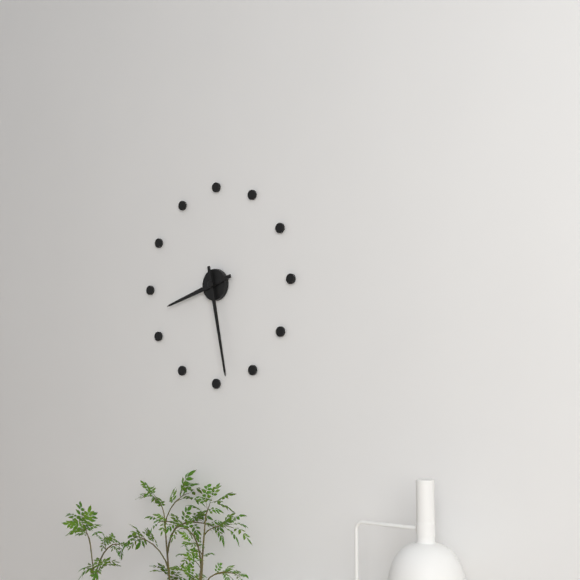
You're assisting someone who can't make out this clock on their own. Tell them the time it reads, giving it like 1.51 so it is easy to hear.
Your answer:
8.28
